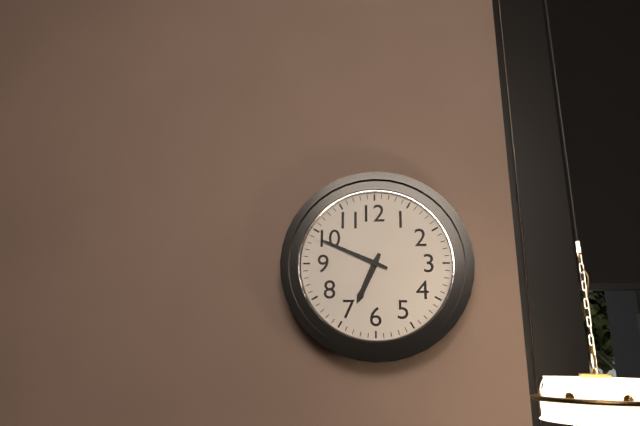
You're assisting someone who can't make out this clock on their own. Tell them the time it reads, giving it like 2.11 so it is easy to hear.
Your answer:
6.49
